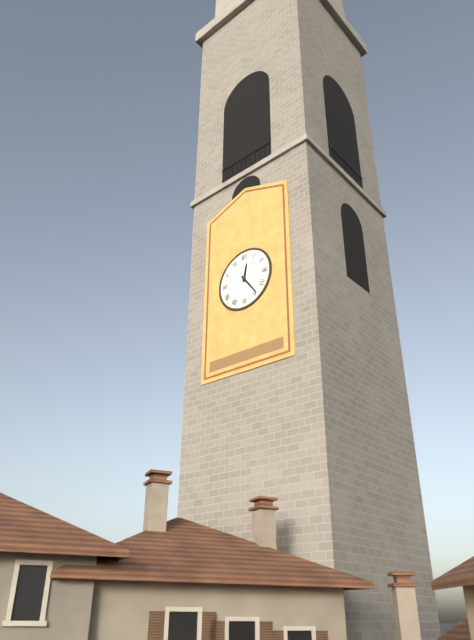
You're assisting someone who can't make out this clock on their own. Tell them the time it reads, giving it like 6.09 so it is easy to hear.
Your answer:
12.24
